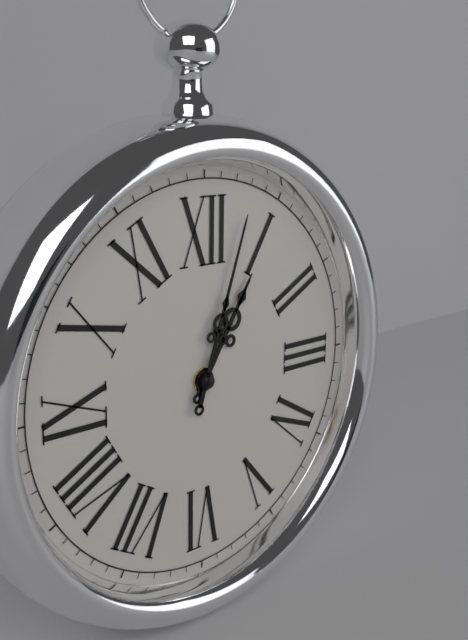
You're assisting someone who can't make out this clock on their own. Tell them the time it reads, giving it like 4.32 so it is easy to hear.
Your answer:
1.03
